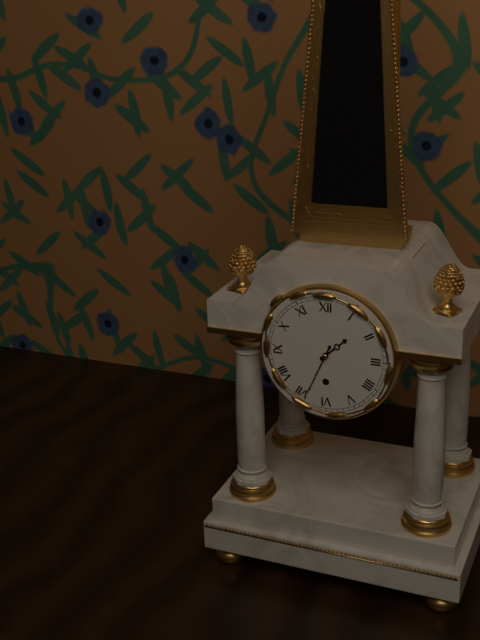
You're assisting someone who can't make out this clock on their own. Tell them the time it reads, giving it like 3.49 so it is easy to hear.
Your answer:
1.34
